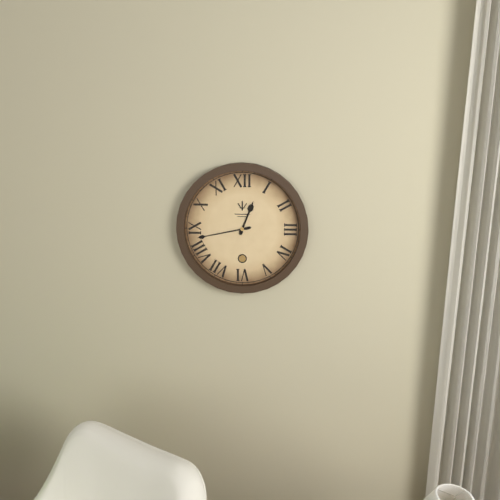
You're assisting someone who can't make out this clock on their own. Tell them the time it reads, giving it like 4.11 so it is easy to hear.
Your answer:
12.43
